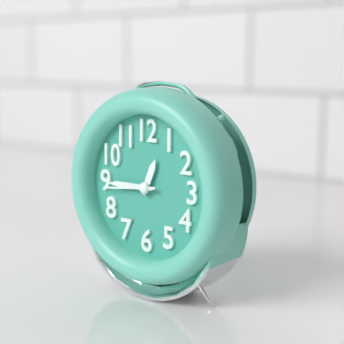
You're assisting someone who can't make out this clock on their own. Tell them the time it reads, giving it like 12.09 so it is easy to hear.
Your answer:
12.45
